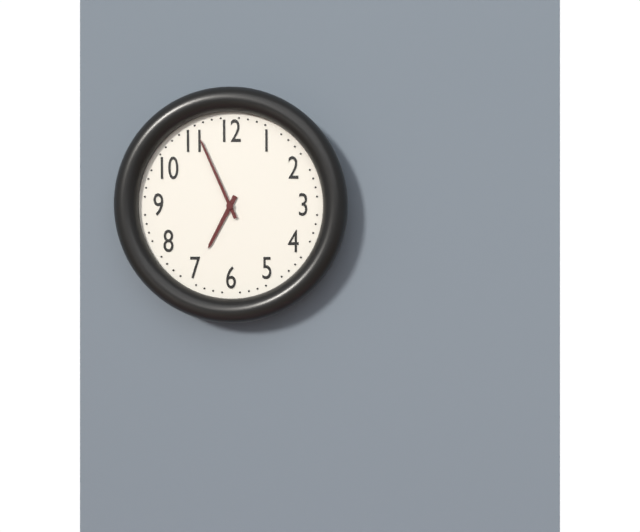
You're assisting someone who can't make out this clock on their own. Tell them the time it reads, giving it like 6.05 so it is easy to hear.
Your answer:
6.56
